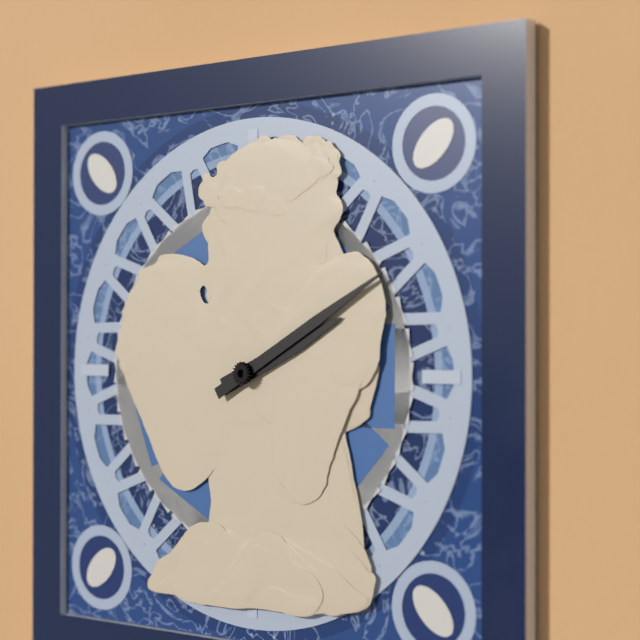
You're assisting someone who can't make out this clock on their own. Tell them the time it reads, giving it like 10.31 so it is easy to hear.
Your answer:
2.10
